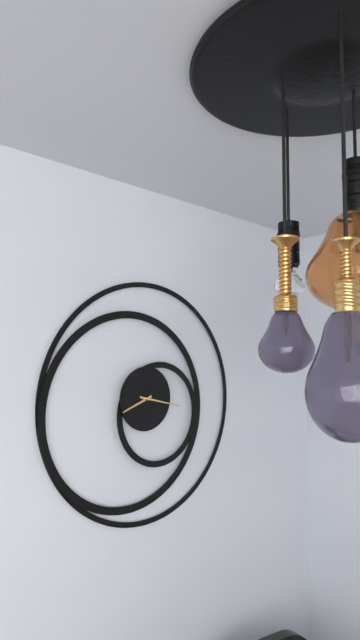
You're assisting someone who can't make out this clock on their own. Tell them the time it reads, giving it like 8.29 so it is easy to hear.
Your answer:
8.17
